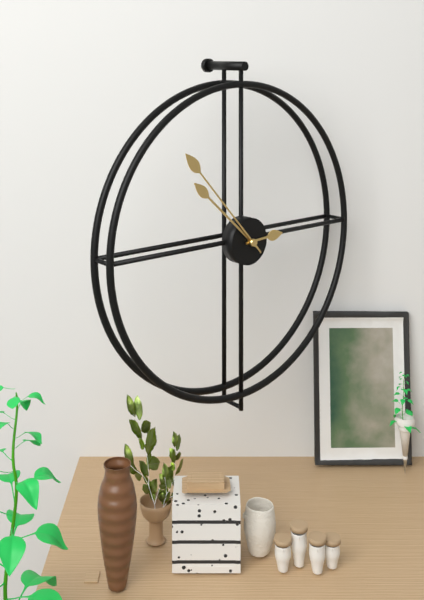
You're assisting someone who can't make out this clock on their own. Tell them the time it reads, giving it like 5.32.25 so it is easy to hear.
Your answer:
2.52.53
